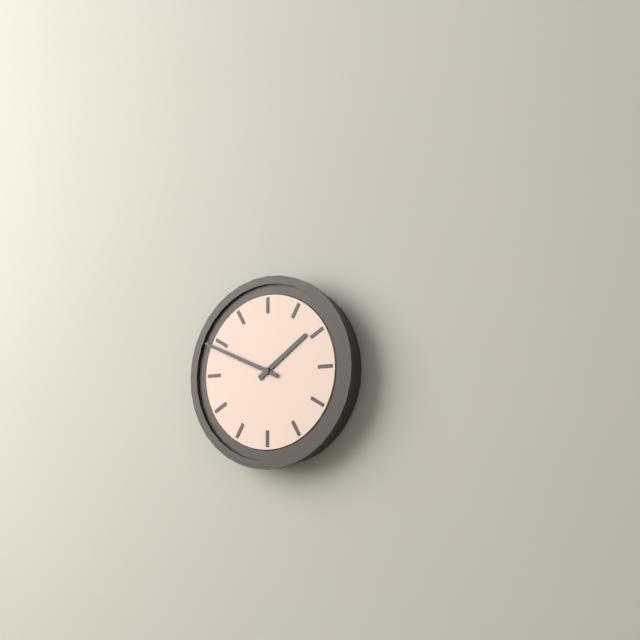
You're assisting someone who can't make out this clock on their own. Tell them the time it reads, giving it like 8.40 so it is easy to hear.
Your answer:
1.49
